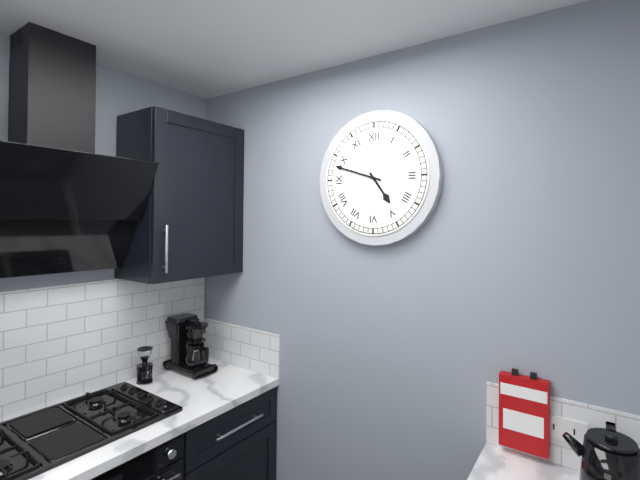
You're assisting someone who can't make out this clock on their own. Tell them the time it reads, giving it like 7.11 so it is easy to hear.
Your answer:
4.48
